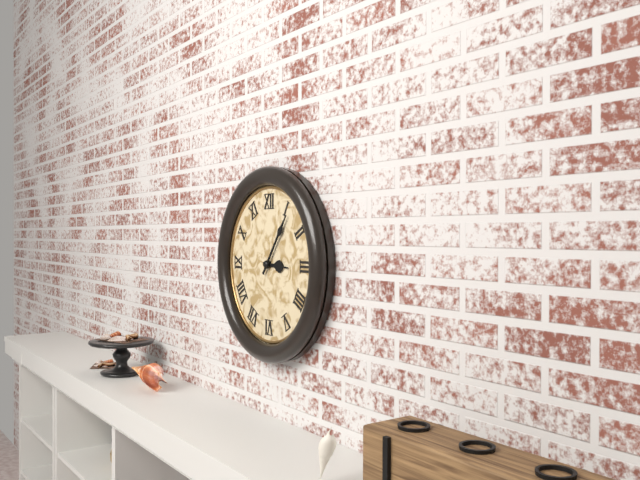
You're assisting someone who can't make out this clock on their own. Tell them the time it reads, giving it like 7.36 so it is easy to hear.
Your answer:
3.06
